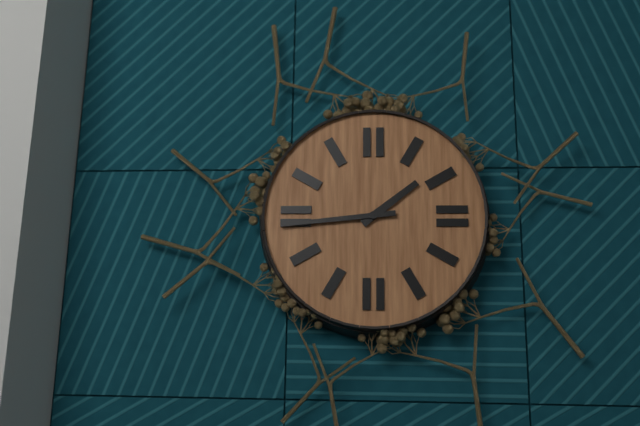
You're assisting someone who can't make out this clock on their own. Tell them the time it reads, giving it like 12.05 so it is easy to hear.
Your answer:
1.44
